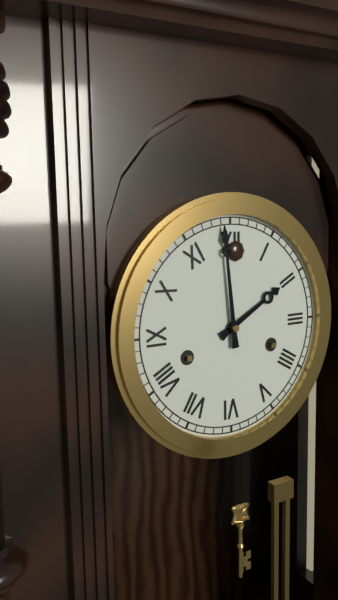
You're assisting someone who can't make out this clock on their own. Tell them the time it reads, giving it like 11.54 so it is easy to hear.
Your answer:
1.59
